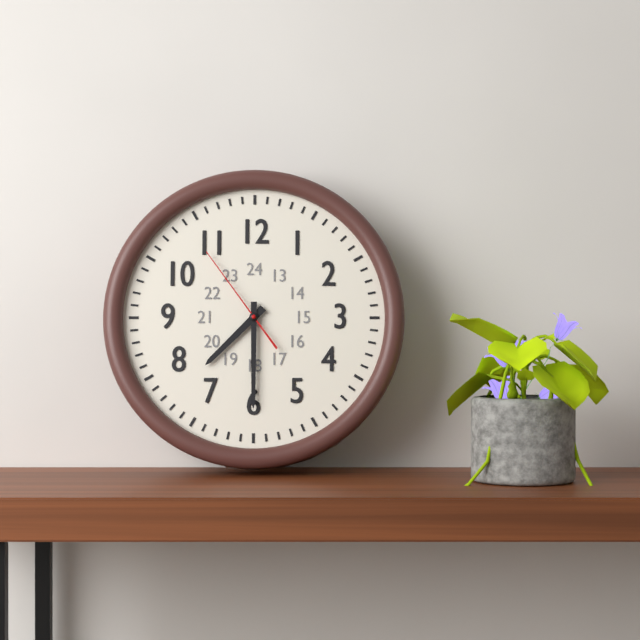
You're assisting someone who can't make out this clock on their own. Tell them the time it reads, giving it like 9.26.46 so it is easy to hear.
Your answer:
7.30.54
